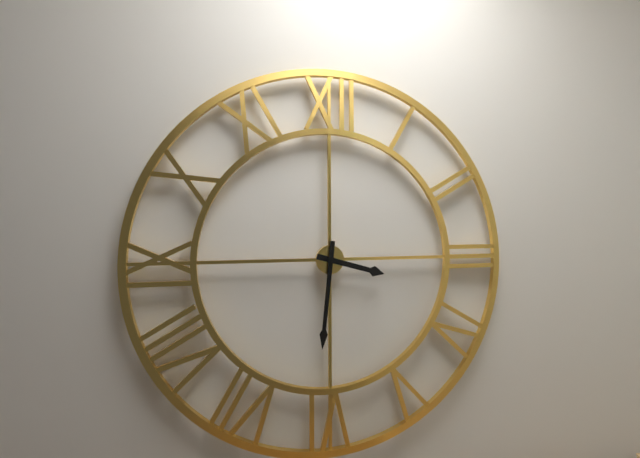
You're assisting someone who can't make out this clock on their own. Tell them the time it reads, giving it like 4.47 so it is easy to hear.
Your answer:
3.31
